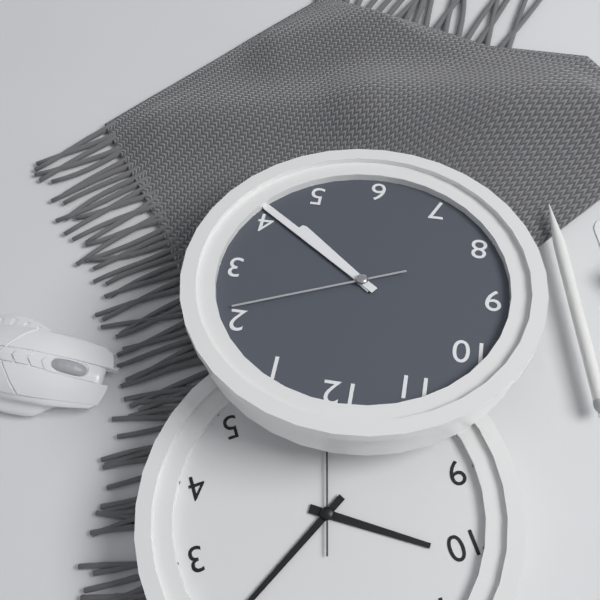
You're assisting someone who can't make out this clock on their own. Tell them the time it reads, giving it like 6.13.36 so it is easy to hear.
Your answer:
4.21.11
